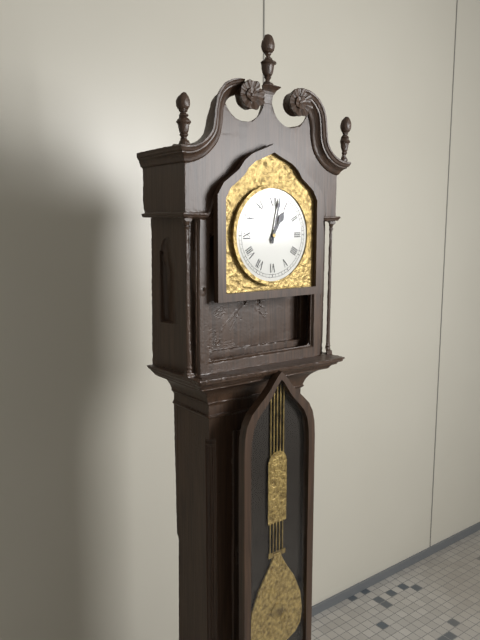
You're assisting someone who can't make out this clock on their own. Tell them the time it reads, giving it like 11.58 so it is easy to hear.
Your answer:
1.02
